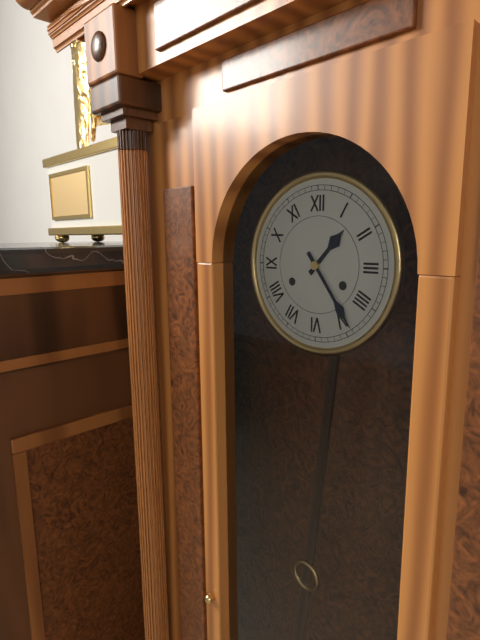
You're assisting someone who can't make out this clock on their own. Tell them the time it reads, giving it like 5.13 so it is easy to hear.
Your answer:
1.24
